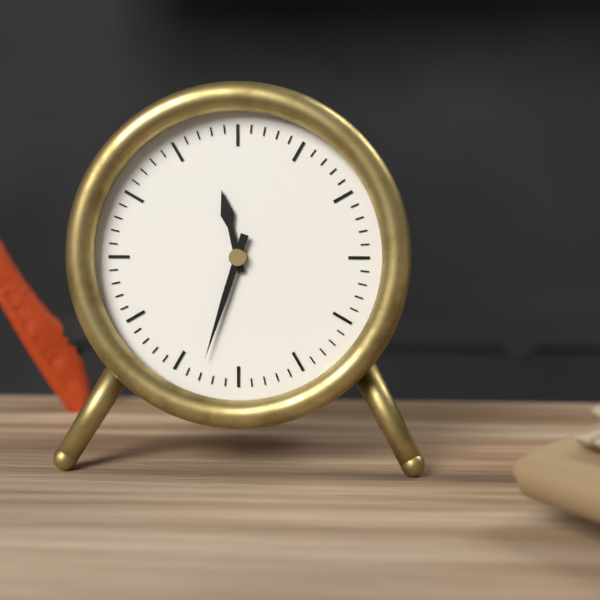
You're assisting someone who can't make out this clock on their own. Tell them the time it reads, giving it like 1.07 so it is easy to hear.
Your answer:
11.33
